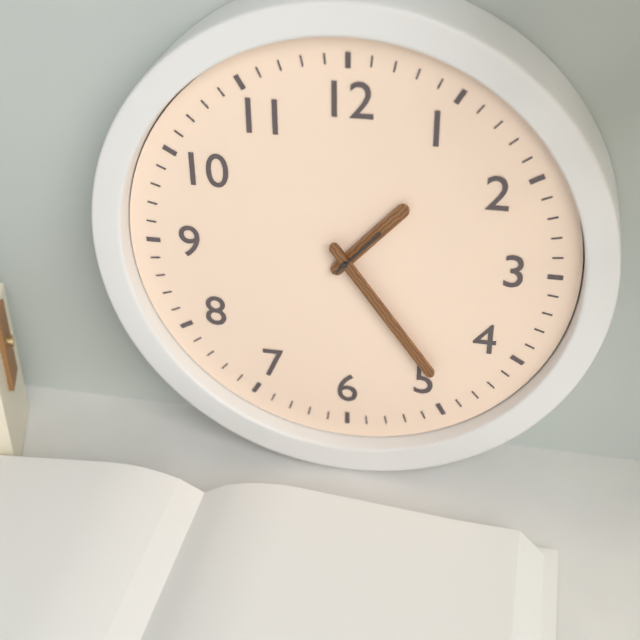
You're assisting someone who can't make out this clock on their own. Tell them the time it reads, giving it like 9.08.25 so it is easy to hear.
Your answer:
1.24.07
